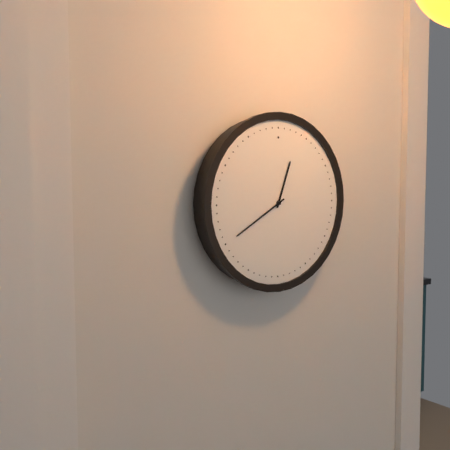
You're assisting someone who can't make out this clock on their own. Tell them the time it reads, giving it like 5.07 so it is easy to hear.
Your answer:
12.40
